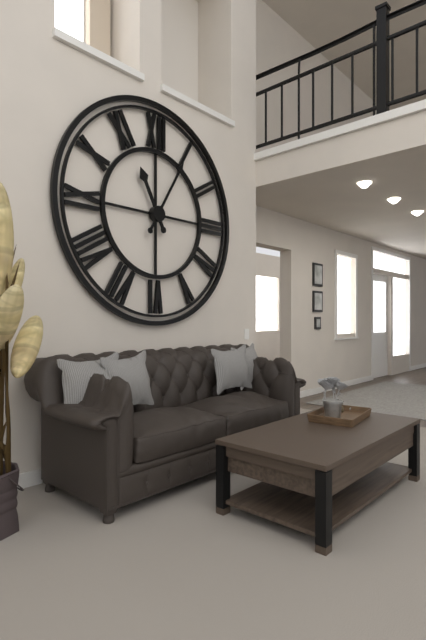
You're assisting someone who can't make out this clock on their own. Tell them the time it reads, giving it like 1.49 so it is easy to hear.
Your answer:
11.05
